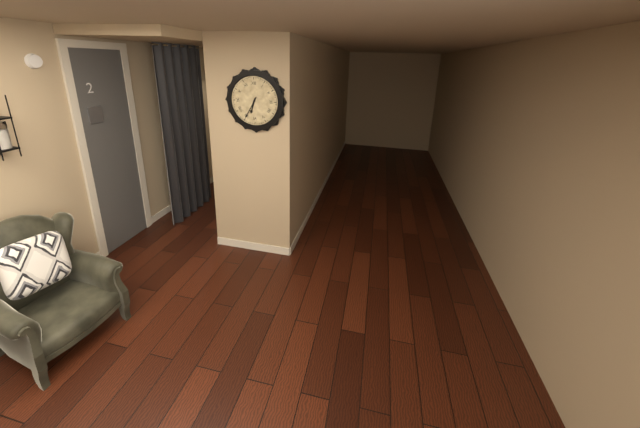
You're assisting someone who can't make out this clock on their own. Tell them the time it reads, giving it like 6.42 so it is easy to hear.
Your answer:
6.35
